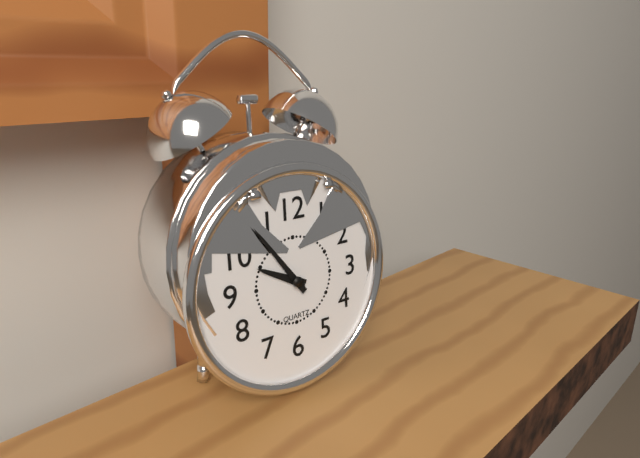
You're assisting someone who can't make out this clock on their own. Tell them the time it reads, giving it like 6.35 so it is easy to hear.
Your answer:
9.54
